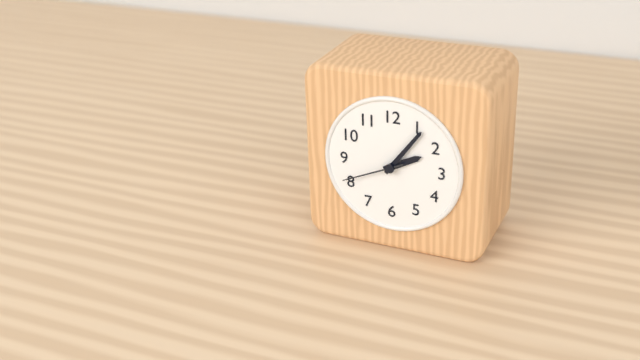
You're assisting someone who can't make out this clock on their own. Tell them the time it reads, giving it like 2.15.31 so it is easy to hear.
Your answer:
2.06.41
